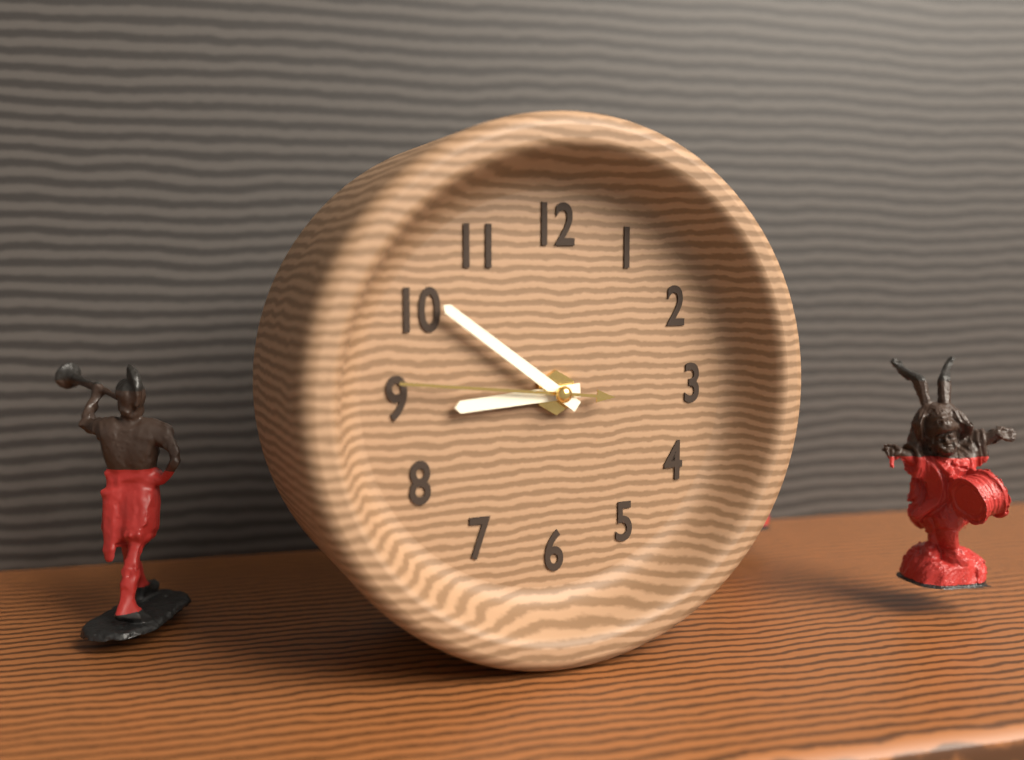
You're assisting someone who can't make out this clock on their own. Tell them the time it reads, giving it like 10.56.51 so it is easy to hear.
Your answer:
8.51.46
